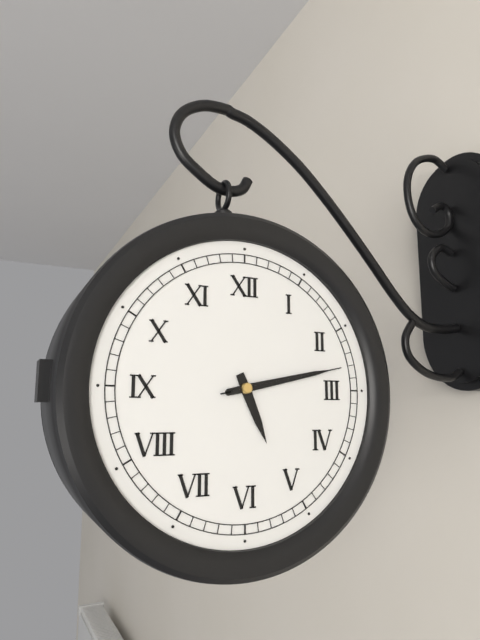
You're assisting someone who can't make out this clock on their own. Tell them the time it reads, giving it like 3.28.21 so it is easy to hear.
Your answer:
5.13.13
